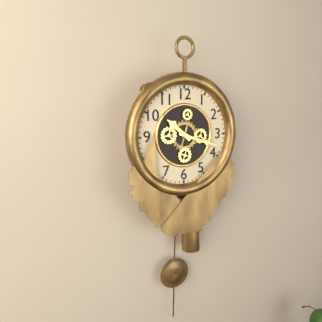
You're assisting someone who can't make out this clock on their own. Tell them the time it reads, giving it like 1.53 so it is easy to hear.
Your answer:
10.18
